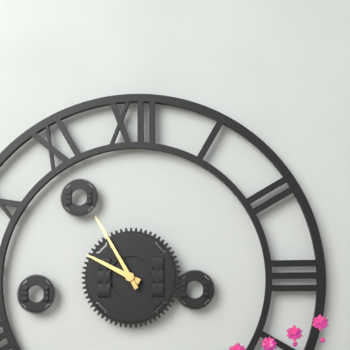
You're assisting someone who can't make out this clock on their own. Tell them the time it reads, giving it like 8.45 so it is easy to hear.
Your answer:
9.55
